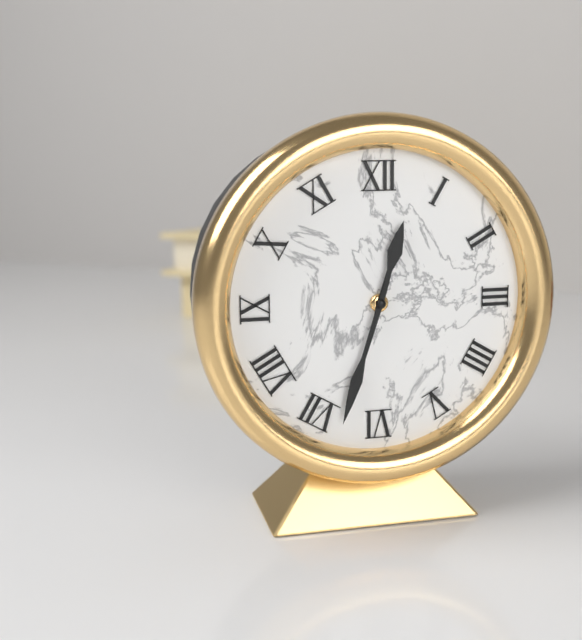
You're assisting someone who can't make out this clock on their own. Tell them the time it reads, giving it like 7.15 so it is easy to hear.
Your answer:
12.33
